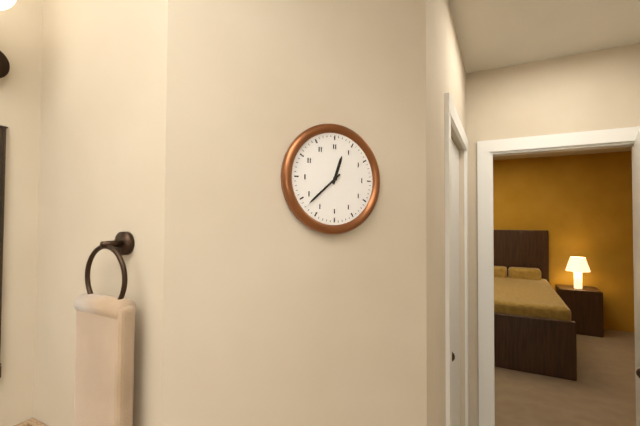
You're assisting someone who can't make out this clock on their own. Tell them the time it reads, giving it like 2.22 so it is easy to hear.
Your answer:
12.38
